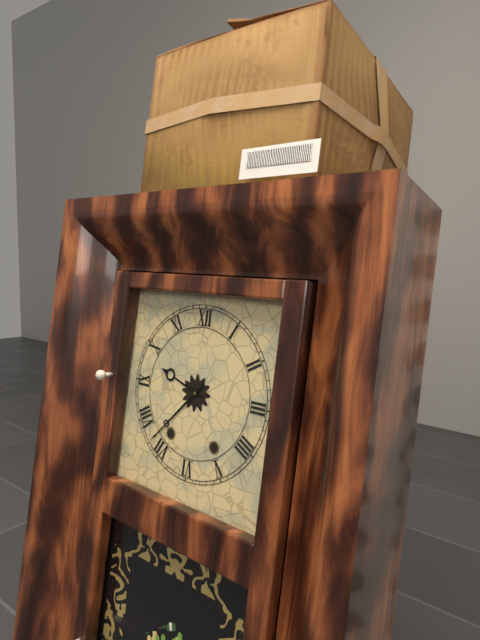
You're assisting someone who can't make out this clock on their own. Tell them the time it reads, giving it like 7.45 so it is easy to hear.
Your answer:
9.37
